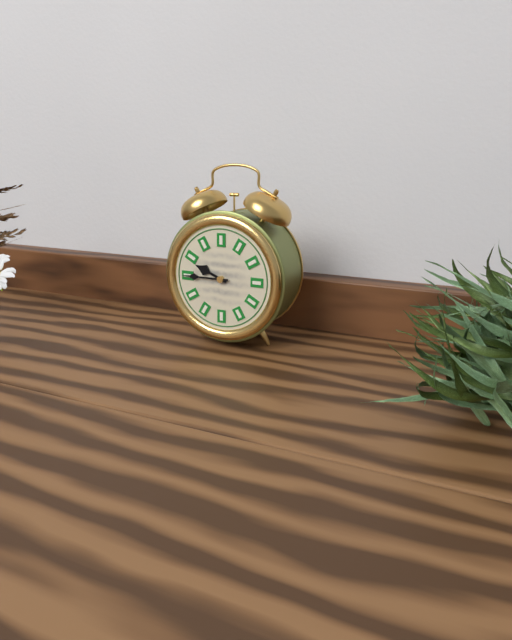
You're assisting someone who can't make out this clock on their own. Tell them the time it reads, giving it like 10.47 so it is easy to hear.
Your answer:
9.45
